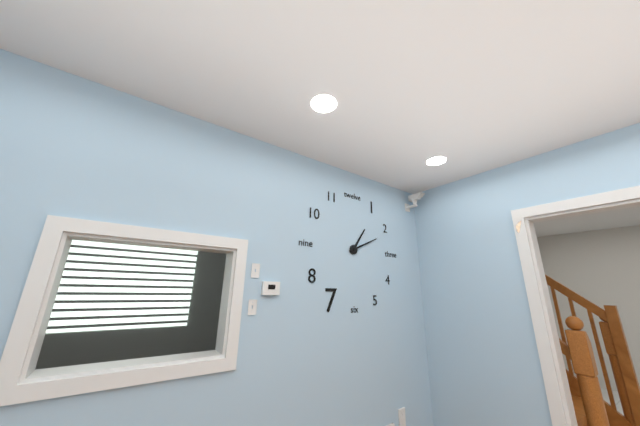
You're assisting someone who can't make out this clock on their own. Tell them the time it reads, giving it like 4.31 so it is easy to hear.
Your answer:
1.11
